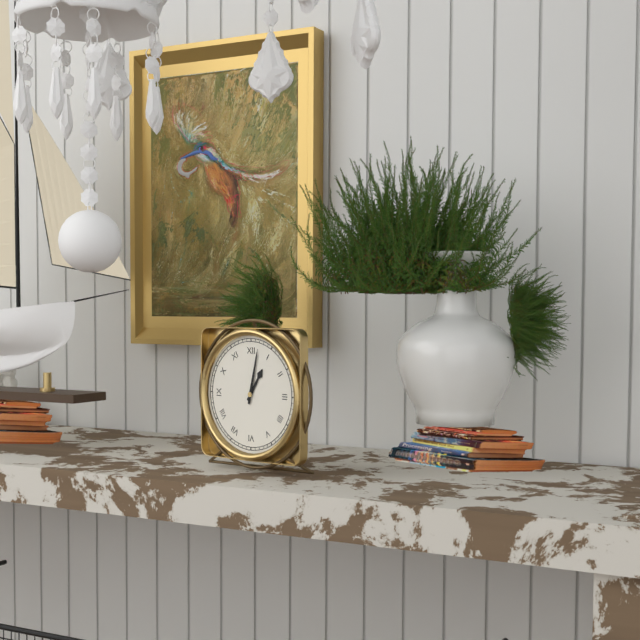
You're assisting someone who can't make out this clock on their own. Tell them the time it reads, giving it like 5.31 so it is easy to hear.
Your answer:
1.02
